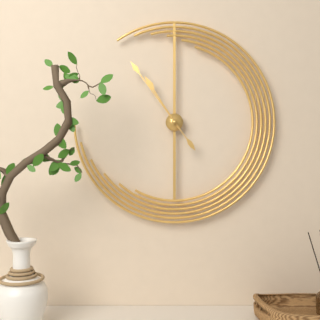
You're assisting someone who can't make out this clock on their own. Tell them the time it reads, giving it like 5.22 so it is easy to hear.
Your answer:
10.54
